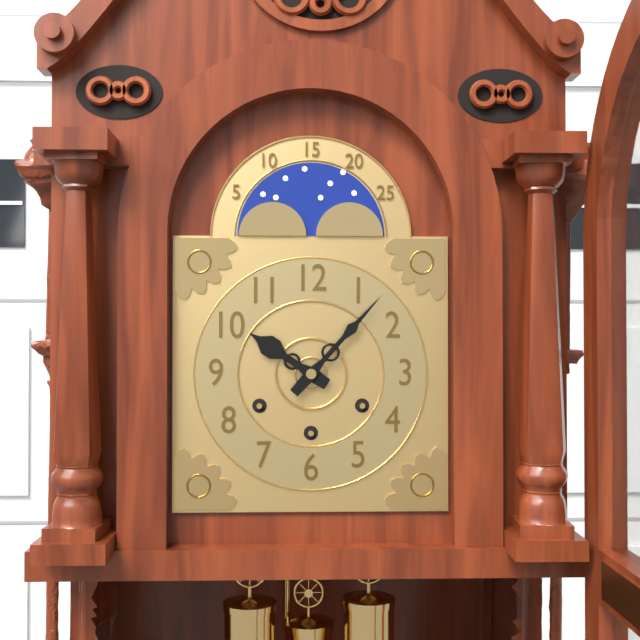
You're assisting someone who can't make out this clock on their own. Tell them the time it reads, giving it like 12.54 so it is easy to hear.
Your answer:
10.07
